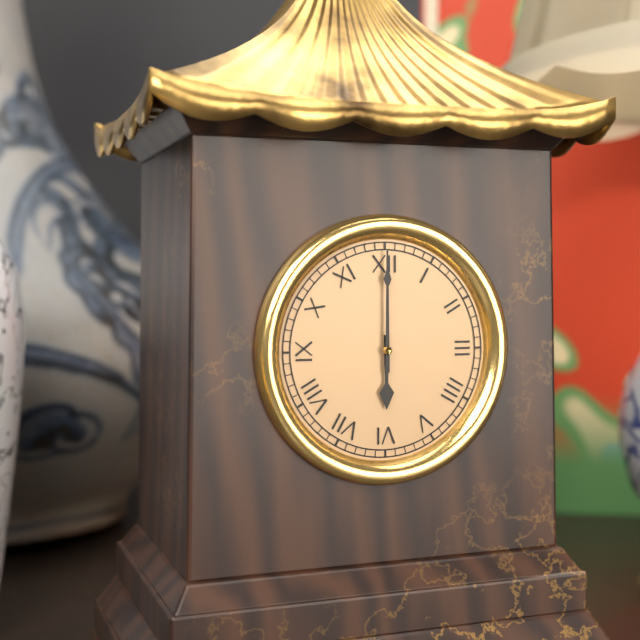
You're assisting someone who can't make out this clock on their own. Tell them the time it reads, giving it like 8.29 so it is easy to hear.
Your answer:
6.00
